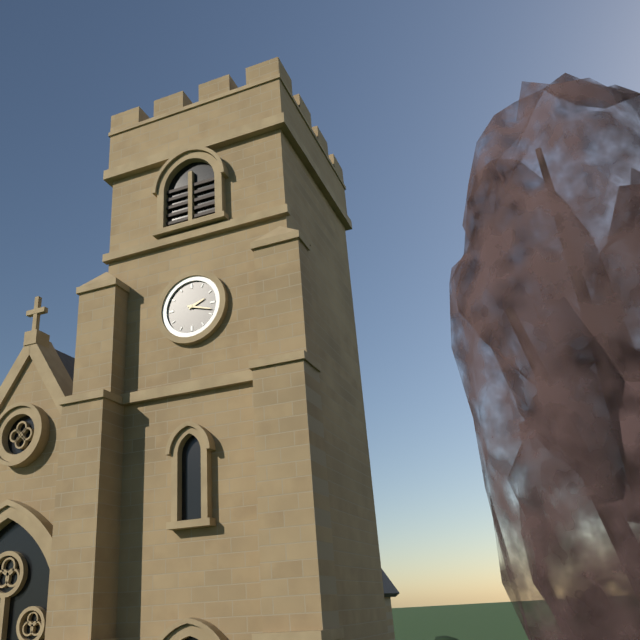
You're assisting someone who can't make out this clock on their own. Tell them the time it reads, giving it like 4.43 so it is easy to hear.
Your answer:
2.18
